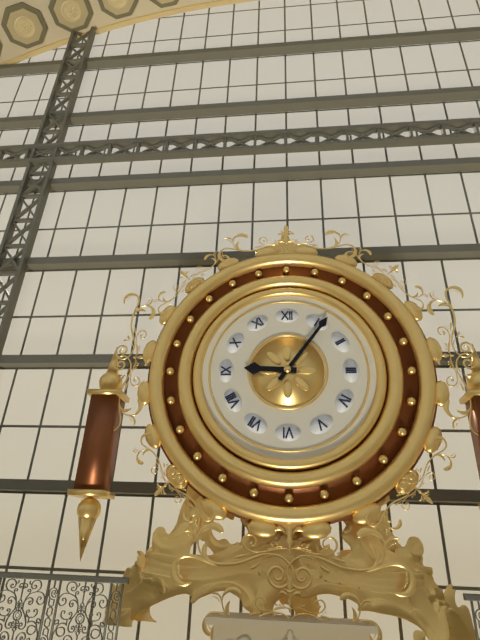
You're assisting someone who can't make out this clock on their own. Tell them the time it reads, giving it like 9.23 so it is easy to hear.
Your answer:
9.06
